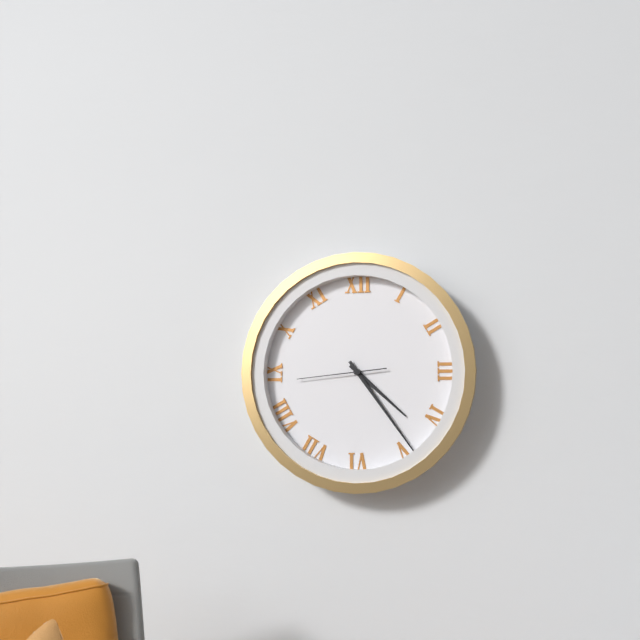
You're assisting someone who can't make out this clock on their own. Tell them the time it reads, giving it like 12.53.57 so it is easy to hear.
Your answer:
4.24.44
